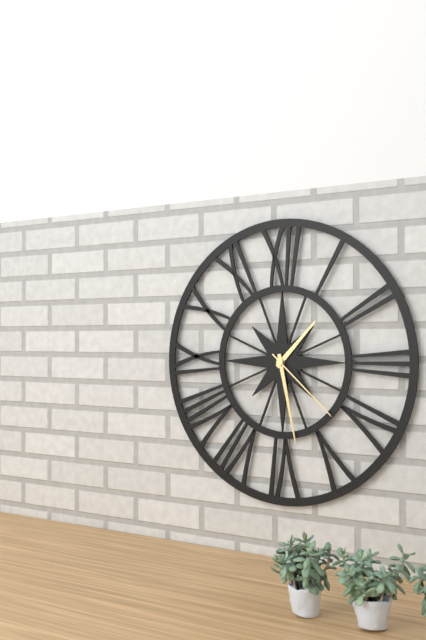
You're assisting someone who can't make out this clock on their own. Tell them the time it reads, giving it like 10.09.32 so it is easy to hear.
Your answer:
1.28.22
